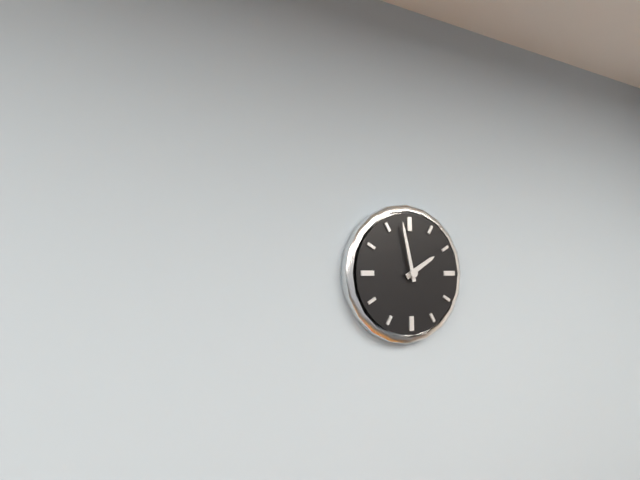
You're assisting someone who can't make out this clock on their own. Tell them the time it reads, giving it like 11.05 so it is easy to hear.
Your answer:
1.58
